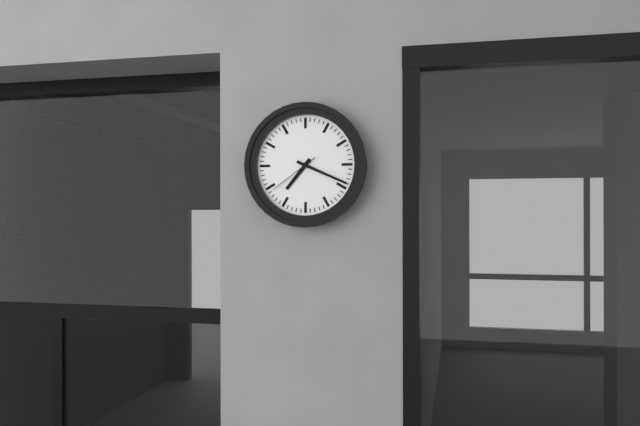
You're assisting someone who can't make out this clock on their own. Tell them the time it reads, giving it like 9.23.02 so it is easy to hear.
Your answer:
7.19.39
